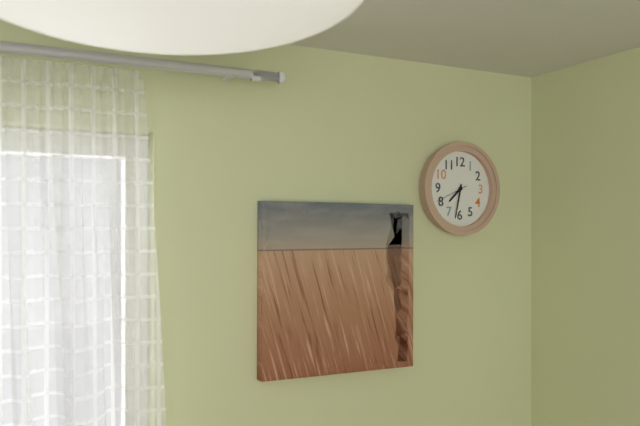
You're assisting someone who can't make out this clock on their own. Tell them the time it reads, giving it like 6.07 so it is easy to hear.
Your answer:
7.32
